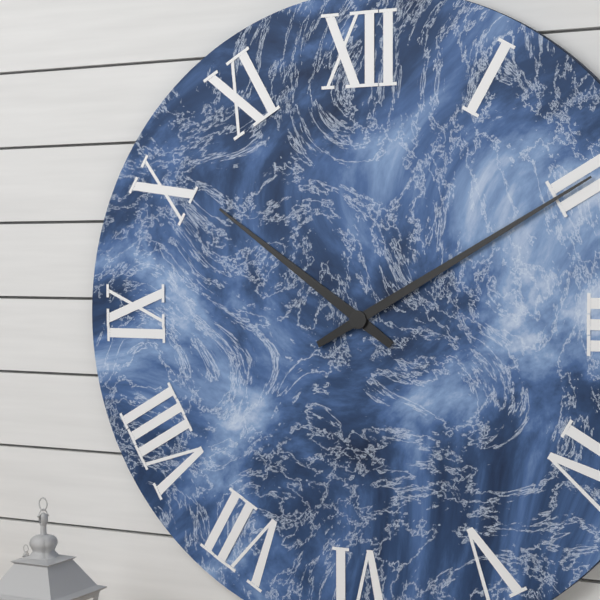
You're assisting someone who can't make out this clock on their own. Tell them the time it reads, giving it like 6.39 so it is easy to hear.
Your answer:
10.10
